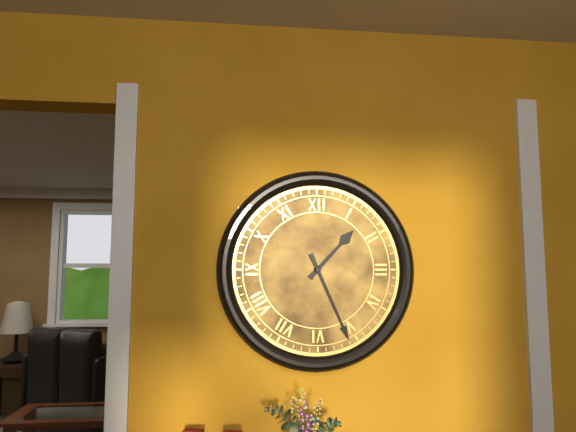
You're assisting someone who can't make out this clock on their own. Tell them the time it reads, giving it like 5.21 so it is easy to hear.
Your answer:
1.26
